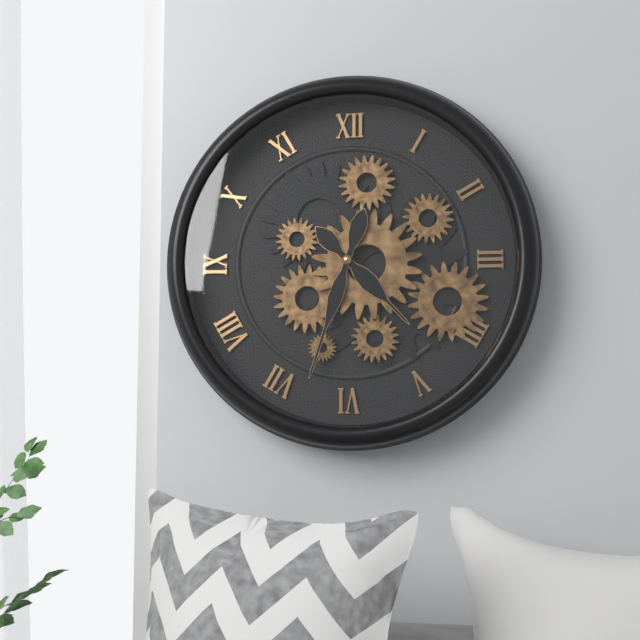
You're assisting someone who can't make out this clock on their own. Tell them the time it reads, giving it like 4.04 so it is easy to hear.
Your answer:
4.33
